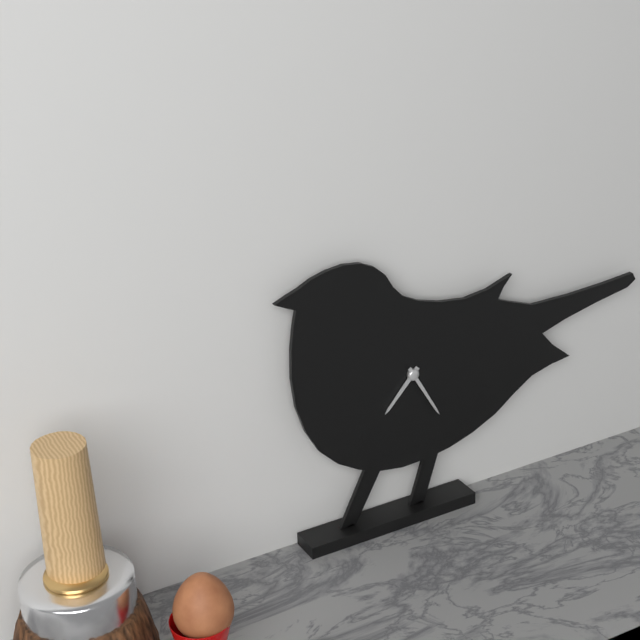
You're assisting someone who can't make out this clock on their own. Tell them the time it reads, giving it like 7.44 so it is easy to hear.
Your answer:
7.25
